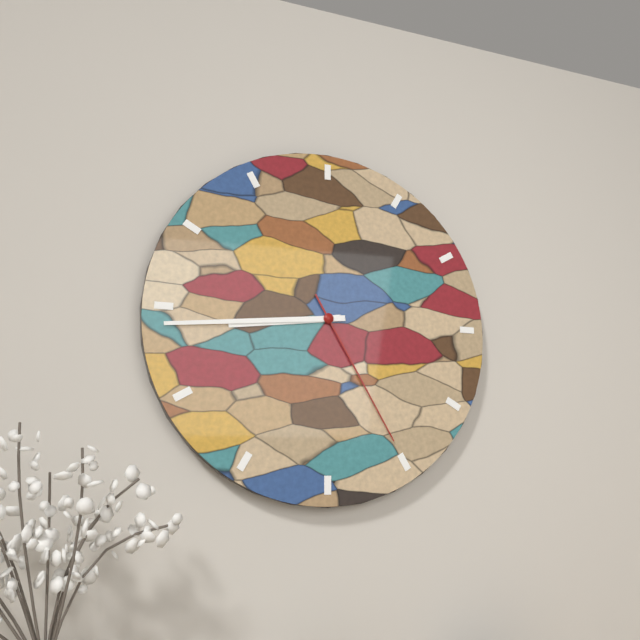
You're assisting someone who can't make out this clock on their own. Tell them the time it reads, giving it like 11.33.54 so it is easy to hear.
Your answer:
8.44.25
